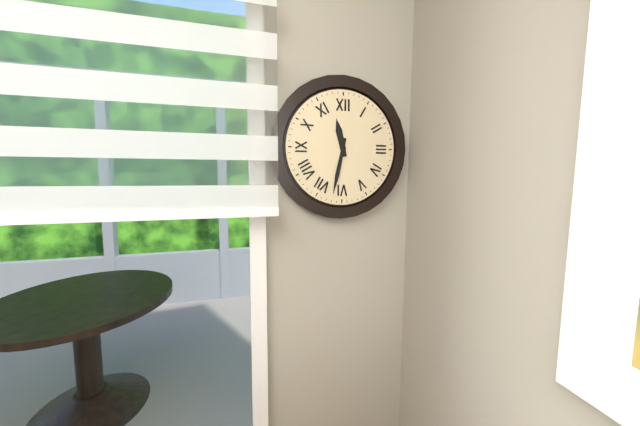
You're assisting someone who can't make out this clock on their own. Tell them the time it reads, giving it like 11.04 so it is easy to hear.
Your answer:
11.32
